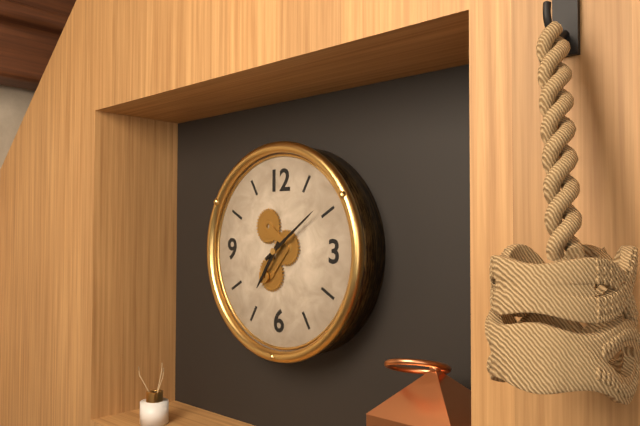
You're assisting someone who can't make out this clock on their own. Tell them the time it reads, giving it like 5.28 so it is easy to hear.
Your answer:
7.09
